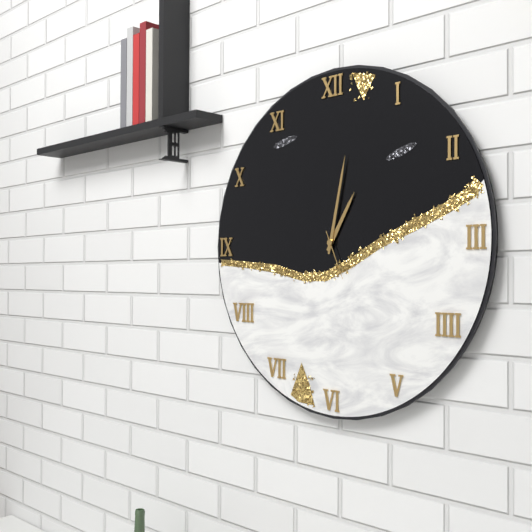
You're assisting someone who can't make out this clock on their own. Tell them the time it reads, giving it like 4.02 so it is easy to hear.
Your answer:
1.02
